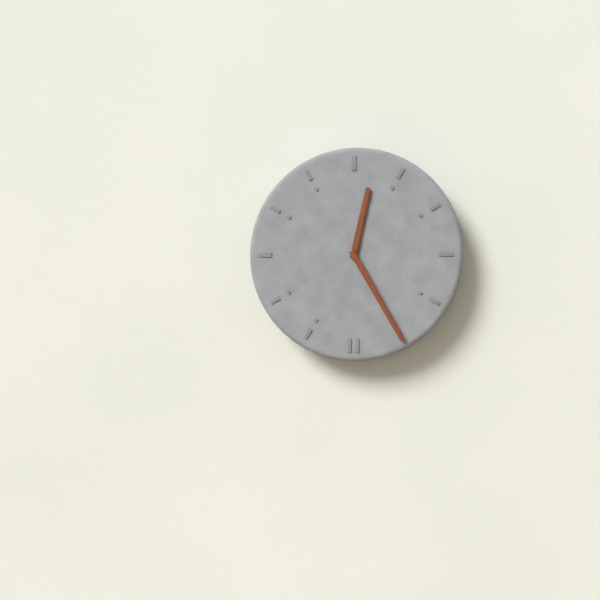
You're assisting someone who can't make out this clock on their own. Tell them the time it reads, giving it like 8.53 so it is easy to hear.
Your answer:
12.25
